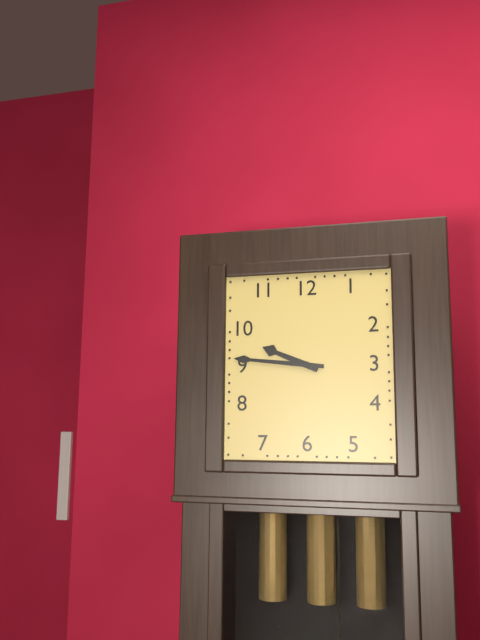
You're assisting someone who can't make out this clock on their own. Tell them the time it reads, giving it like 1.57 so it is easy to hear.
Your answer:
9.46
